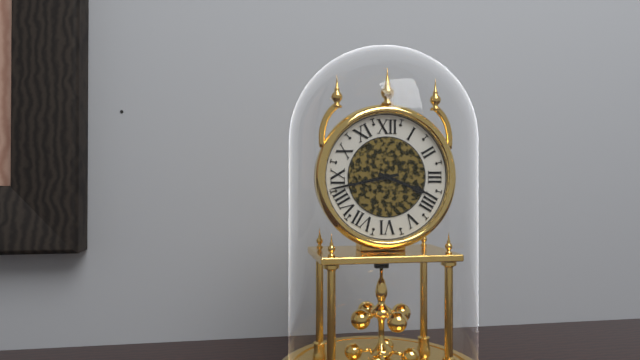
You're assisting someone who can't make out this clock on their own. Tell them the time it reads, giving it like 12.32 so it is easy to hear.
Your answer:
3.43
